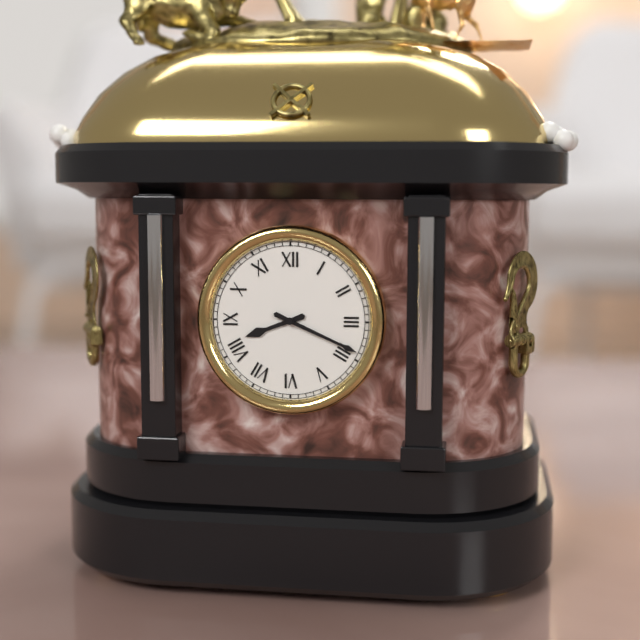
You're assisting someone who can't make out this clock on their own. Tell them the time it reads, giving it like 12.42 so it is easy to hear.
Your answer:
8.19
